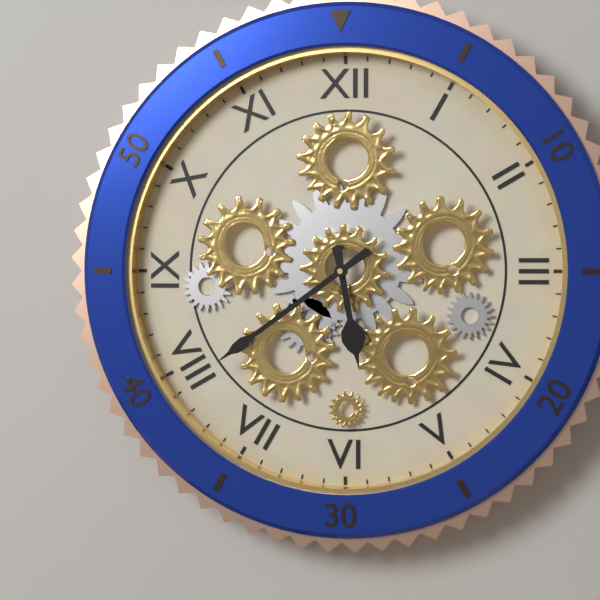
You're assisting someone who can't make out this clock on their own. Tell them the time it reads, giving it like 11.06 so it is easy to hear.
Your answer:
5.39
